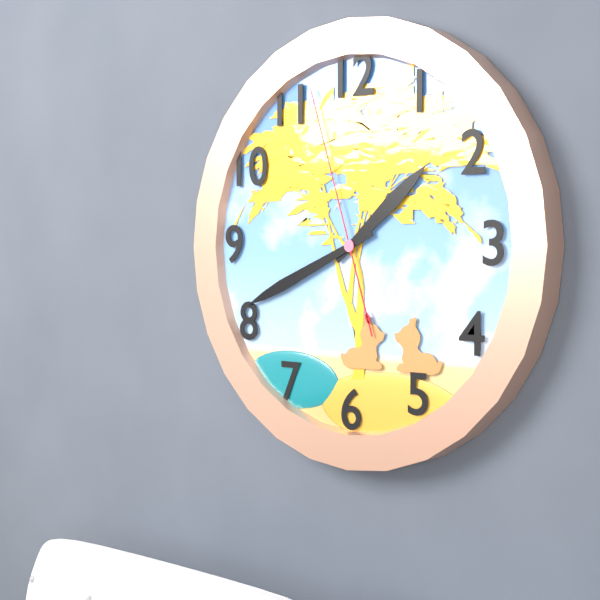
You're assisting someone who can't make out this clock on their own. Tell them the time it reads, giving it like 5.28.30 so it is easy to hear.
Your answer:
1.41.57
